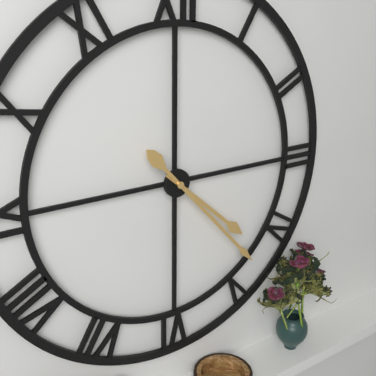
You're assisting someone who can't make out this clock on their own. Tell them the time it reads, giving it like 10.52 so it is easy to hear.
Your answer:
4.23
